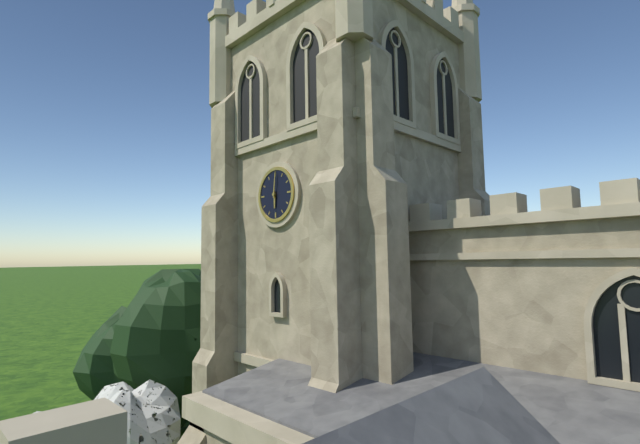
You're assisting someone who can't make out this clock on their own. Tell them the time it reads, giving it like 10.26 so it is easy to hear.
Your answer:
6.01
